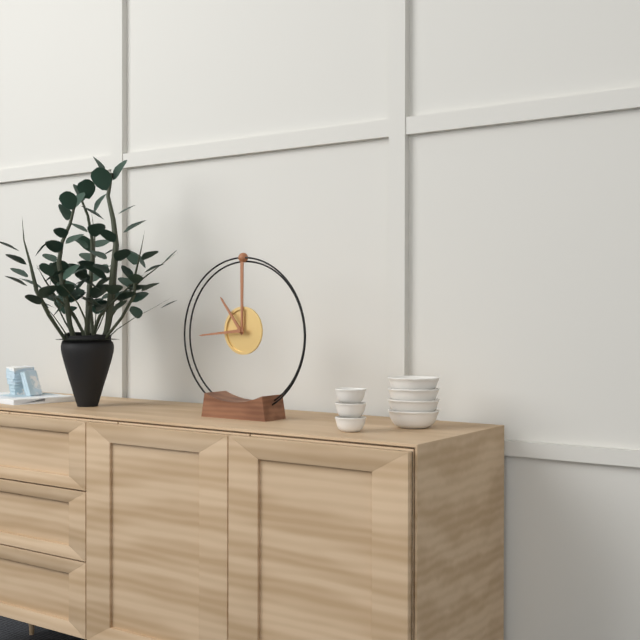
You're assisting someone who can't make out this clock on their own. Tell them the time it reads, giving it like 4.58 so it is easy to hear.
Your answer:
10.44
